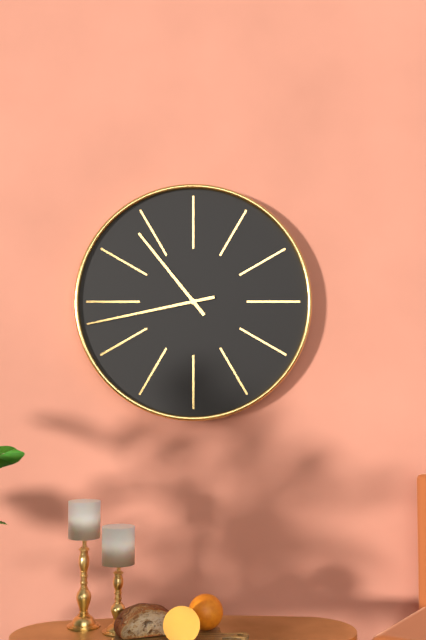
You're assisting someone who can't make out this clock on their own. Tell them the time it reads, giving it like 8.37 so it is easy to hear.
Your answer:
10.43
